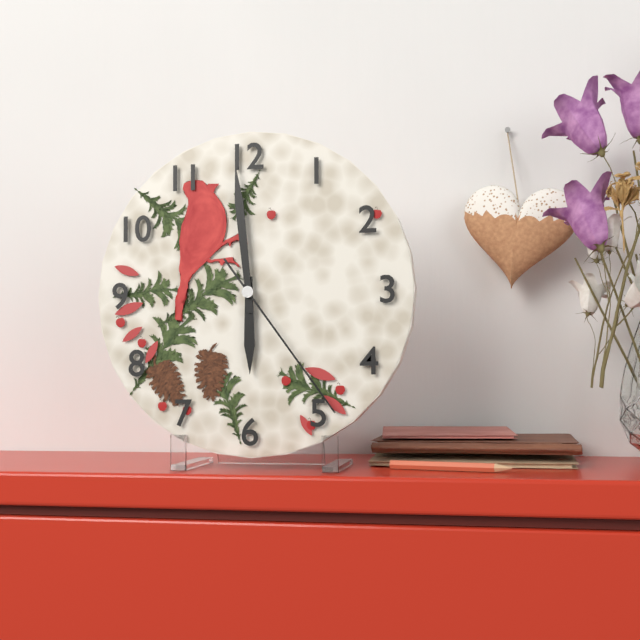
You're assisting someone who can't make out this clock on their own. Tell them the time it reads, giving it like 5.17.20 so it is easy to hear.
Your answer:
5.59.24
